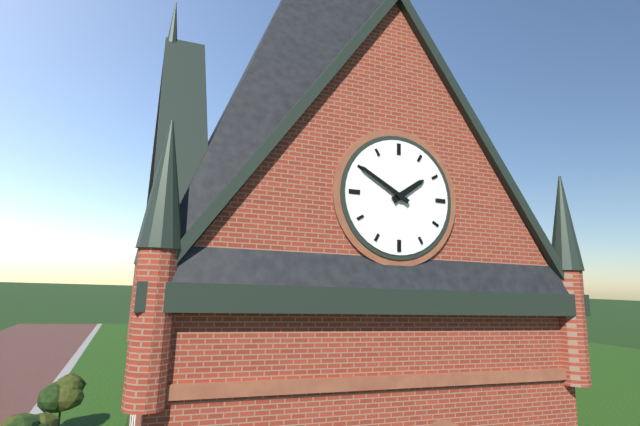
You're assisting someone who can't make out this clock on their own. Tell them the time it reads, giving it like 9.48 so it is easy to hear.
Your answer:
1.50
